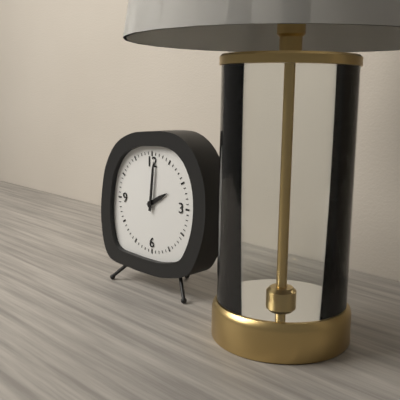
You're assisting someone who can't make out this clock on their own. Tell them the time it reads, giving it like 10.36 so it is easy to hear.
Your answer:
2.01
